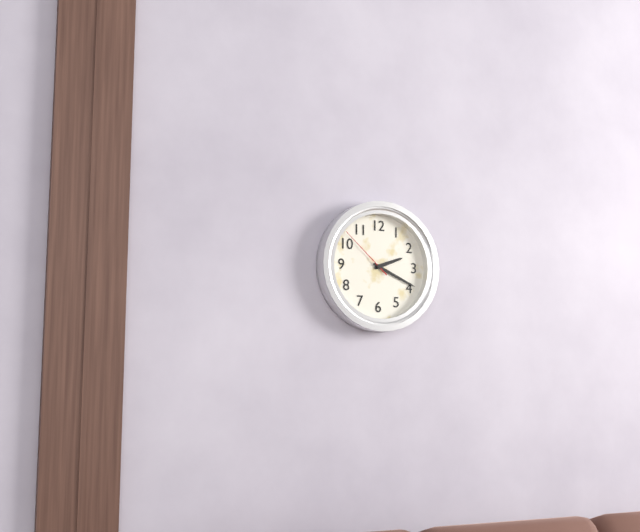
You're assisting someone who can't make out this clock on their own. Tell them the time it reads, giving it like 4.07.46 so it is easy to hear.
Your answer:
2.19.52
